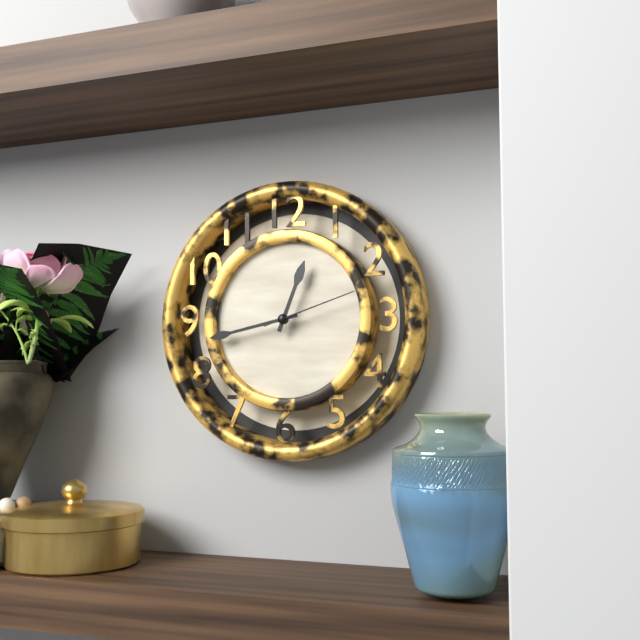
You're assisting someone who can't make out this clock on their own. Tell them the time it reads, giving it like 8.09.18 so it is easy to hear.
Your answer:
12.43.12
